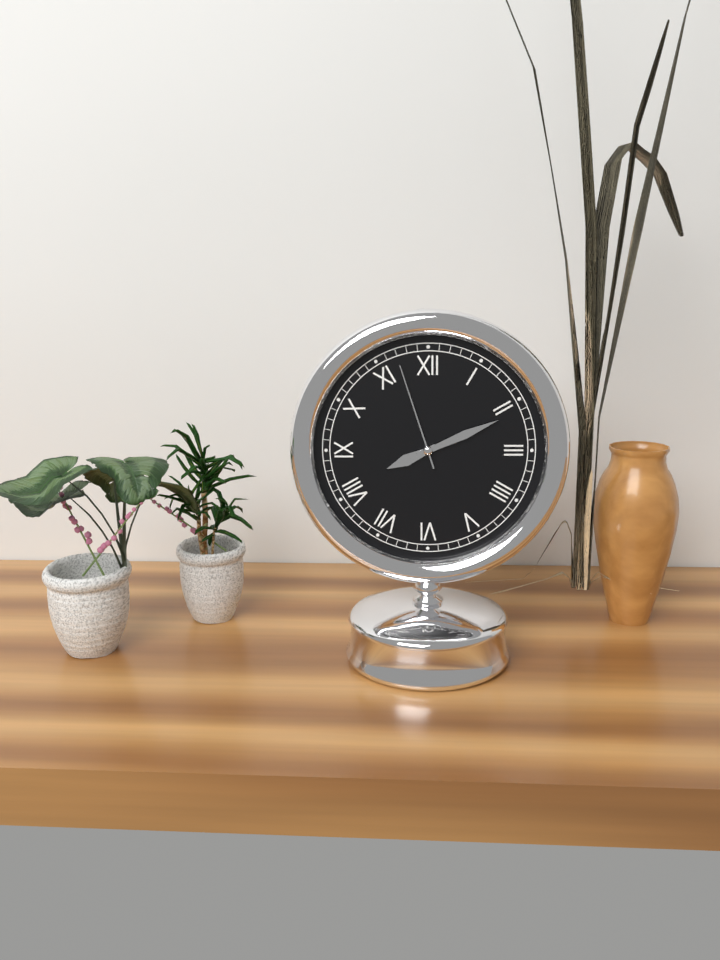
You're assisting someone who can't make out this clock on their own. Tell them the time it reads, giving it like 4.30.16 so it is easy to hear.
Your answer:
8.11.57
